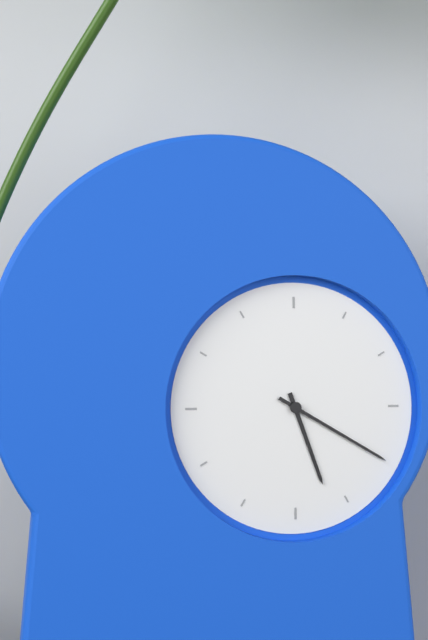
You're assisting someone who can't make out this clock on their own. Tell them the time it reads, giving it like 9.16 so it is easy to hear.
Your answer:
5.20
